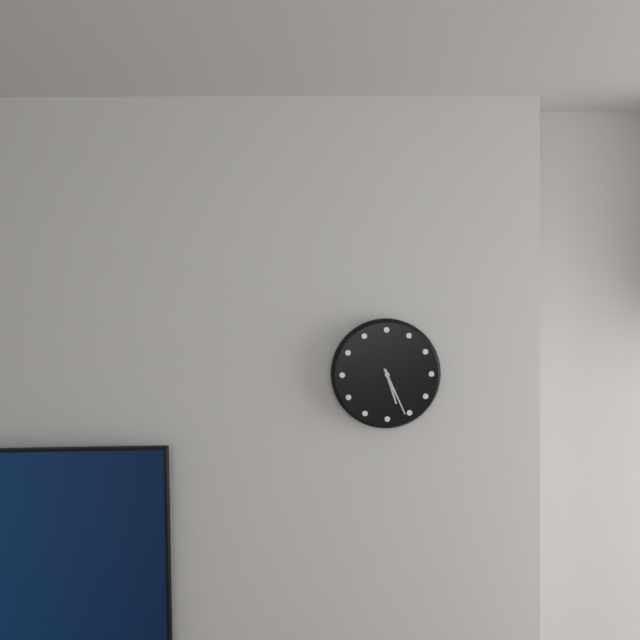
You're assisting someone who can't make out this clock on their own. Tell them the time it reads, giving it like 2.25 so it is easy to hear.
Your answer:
5.26
